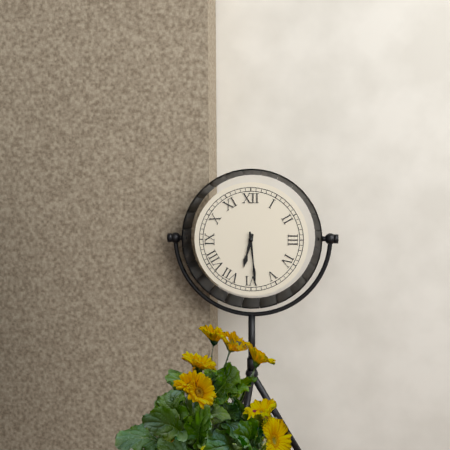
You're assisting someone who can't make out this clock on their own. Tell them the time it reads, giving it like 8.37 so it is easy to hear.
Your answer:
6.29
